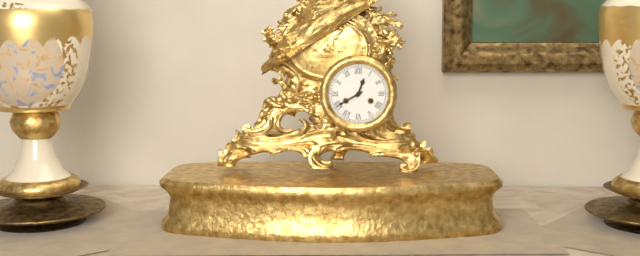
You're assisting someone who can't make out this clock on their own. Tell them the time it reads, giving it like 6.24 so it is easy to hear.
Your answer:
12.40
